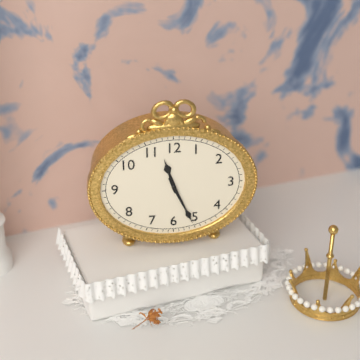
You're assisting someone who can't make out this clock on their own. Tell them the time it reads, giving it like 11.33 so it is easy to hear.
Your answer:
11.26
